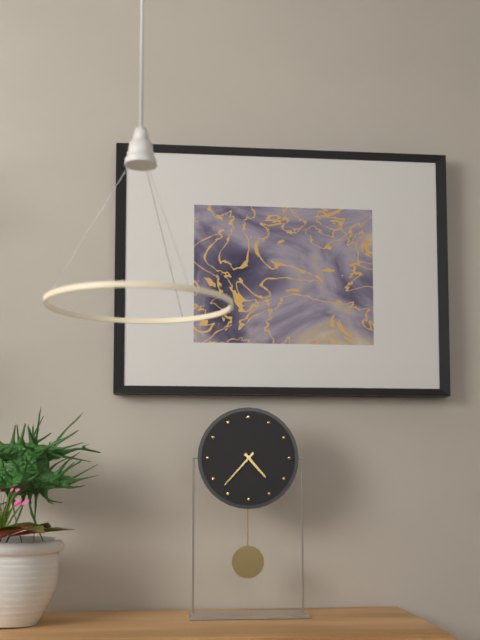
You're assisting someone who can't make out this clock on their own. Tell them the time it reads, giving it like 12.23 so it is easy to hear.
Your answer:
4.37
